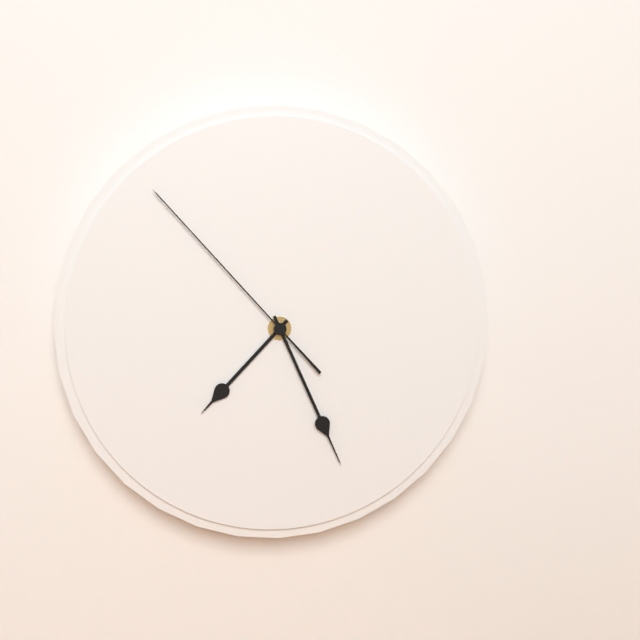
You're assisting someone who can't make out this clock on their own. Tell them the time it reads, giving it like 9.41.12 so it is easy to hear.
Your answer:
7.26.53
